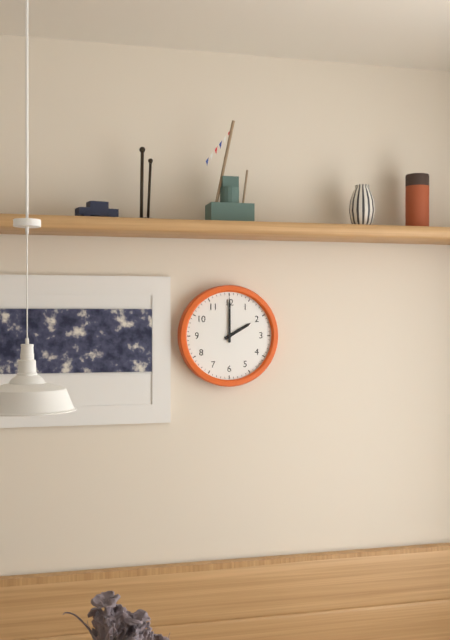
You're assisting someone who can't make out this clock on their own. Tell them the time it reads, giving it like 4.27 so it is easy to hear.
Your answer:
2.00
